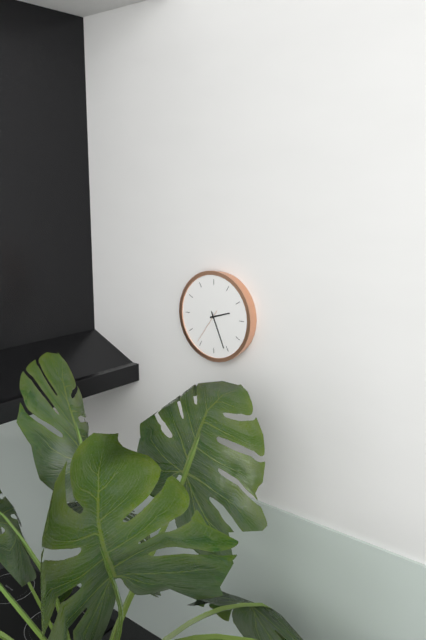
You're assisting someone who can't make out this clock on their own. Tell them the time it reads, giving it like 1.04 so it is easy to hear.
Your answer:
2.26
